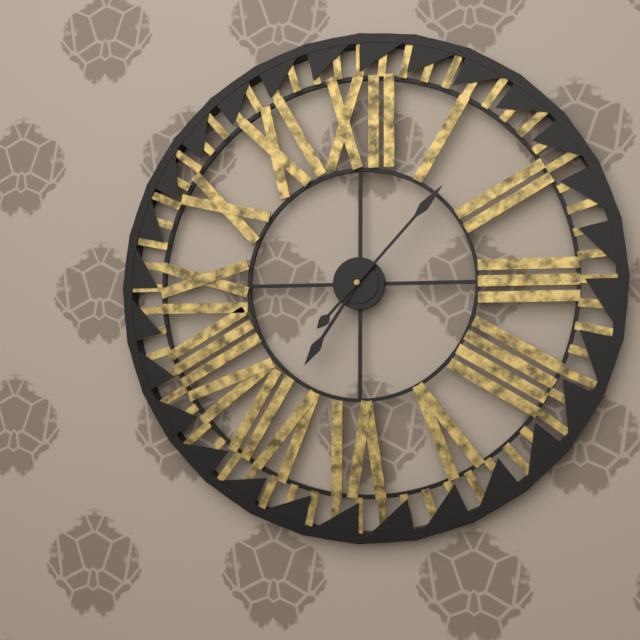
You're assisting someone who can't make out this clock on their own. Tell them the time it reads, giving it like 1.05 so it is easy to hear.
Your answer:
7.07
